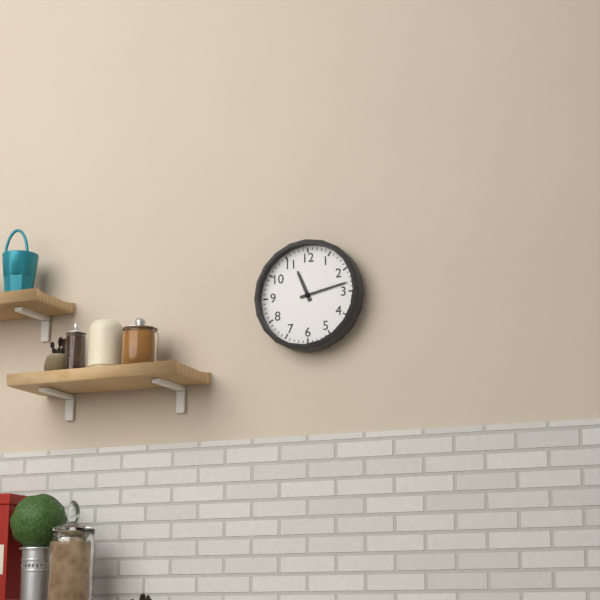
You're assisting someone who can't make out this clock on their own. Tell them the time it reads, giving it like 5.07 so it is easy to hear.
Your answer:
11.13
